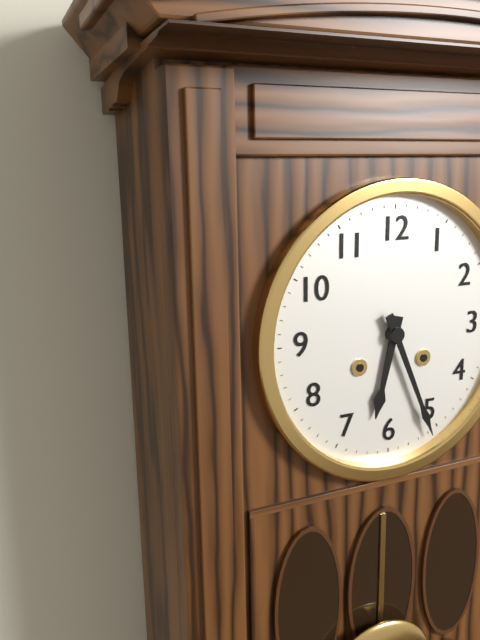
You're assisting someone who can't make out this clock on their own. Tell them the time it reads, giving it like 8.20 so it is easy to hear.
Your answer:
6.26
